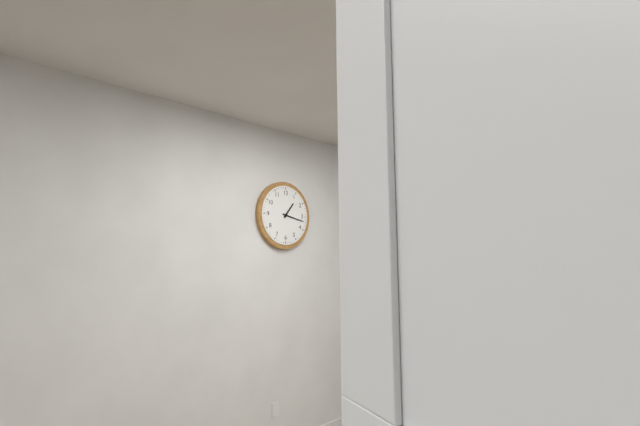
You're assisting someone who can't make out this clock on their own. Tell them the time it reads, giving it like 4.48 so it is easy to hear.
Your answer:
1.17
